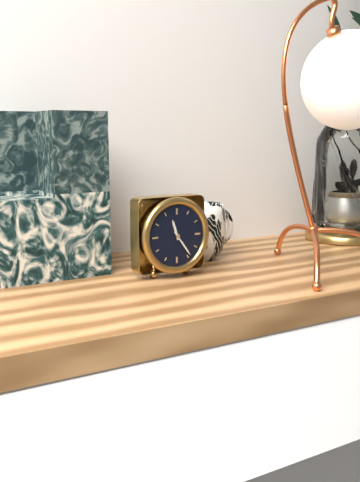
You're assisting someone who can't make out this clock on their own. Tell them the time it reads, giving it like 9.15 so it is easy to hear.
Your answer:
11.24
